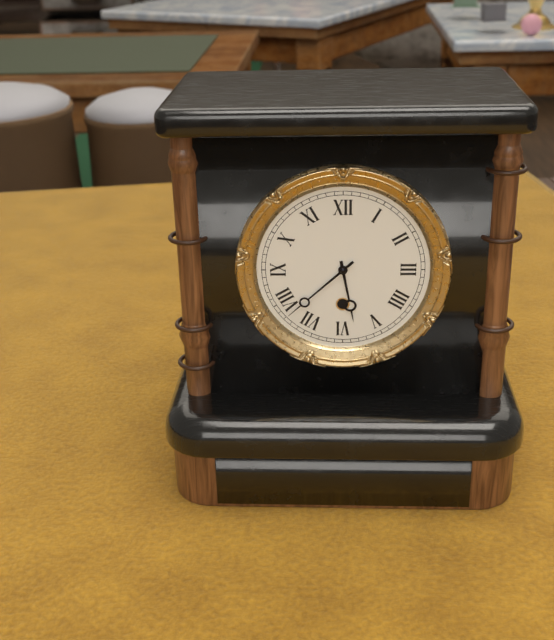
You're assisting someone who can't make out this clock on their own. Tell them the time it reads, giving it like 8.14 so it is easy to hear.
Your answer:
5.38
